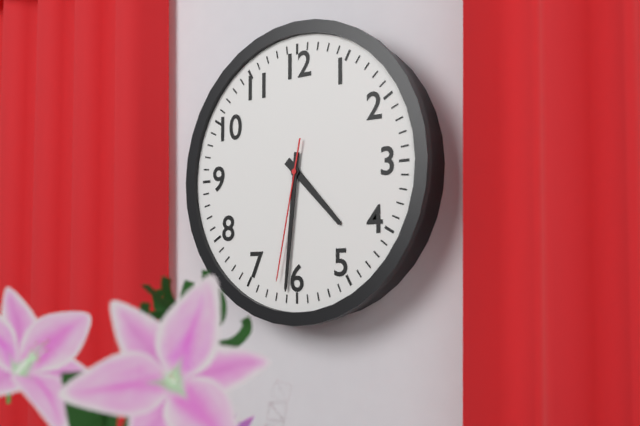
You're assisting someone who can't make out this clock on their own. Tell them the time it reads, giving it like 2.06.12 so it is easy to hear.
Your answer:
4.31.32
